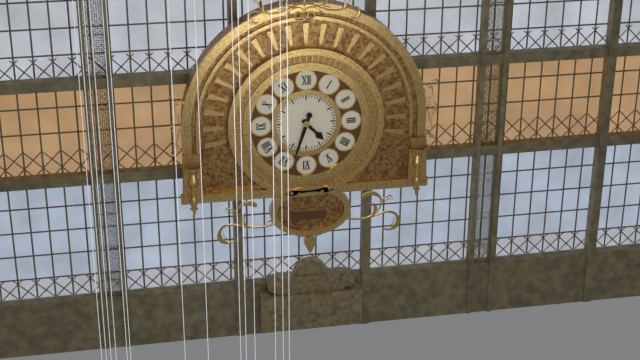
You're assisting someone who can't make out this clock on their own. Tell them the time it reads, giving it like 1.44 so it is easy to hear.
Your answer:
4.33
